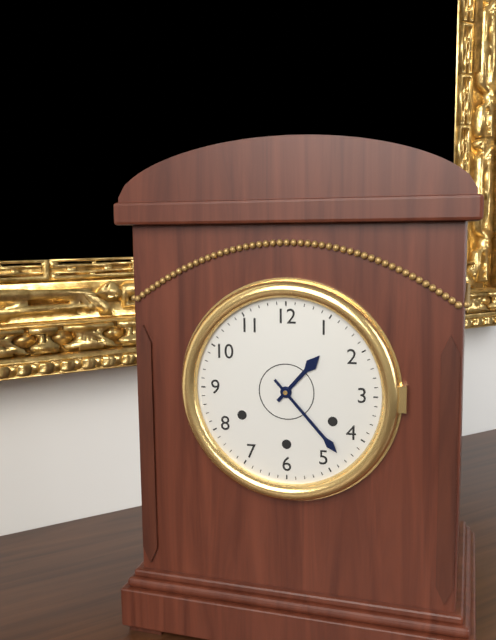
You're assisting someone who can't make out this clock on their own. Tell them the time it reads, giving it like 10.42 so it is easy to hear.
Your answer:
1.23
